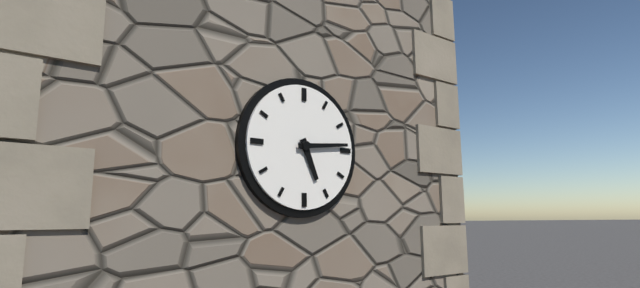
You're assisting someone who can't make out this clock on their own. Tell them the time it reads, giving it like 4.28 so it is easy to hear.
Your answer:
5.14
